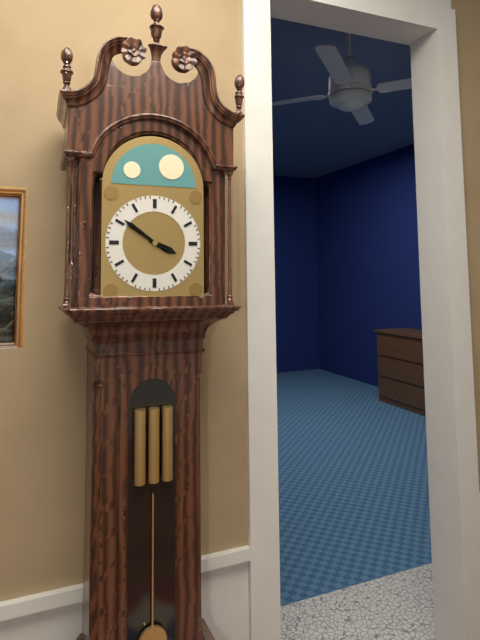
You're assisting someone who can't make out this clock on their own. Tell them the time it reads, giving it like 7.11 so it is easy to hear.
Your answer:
3.51
